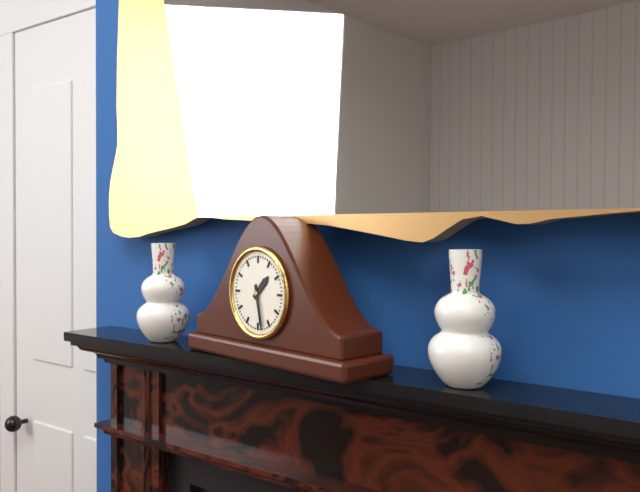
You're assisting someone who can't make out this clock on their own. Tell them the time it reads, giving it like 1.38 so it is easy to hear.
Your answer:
1.28
